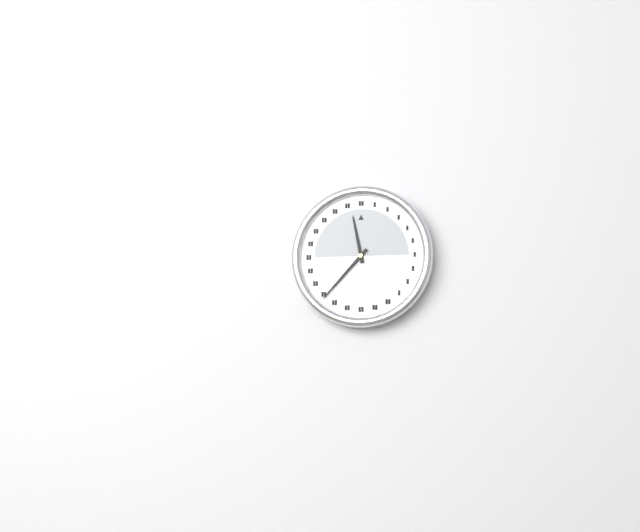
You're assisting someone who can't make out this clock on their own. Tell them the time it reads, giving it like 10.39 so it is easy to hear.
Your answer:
11.37
